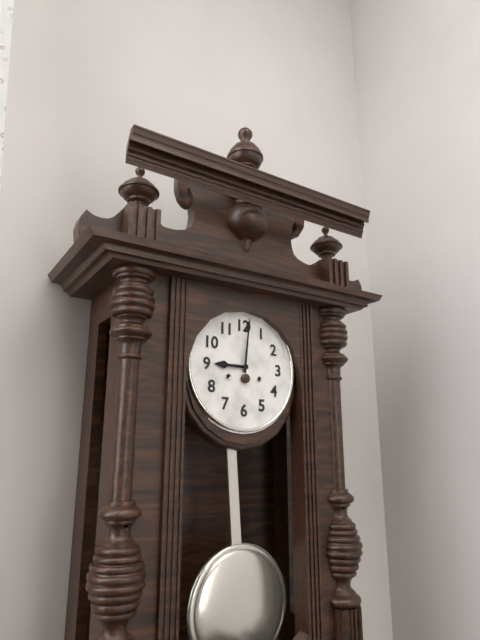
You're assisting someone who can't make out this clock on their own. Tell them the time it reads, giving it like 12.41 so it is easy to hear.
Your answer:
9.01
